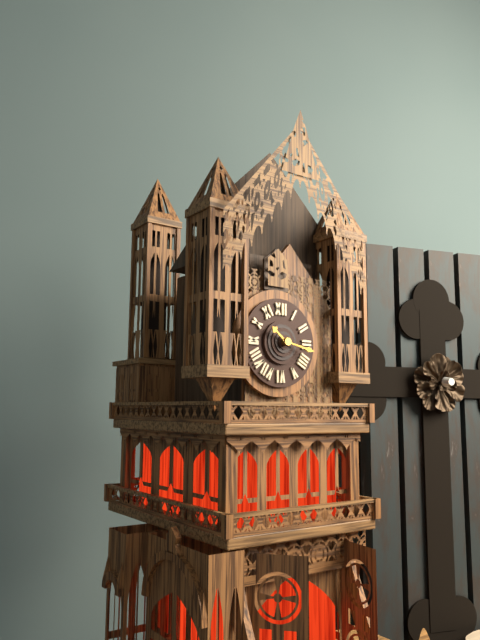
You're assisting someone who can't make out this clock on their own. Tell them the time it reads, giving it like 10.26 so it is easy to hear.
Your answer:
10.17
